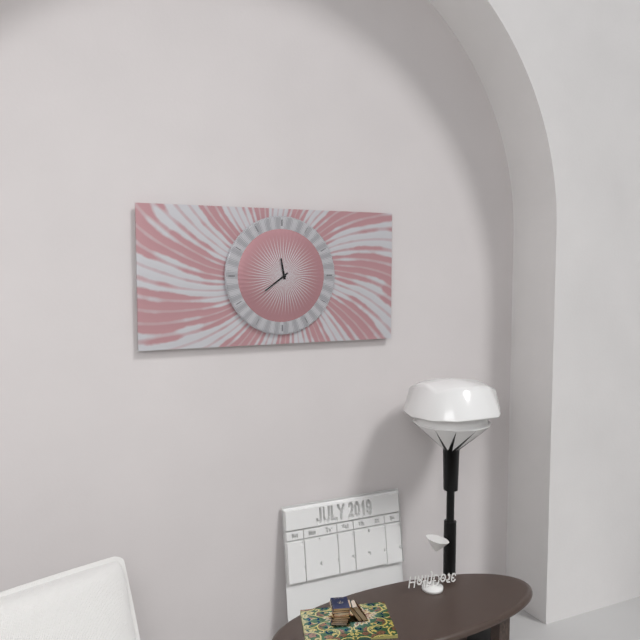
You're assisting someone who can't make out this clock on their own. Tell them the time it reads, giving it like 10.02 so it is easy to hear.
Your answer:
11.39
